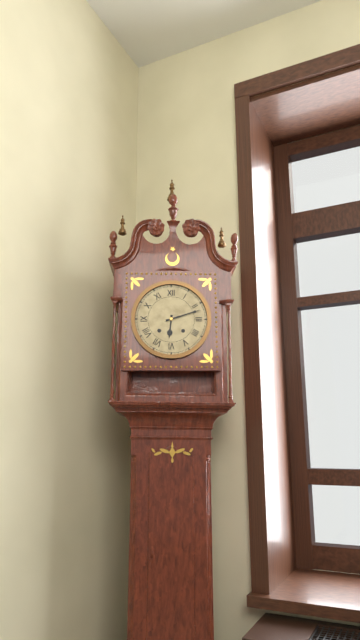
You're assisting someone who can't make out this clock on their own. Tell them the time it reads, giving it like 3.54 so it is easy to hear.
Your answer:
6.12
